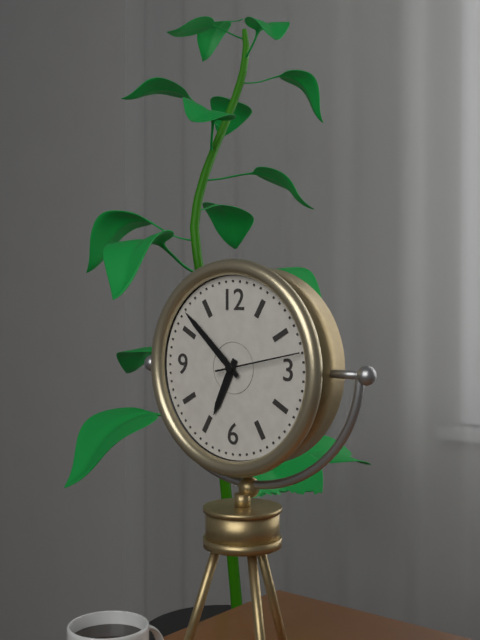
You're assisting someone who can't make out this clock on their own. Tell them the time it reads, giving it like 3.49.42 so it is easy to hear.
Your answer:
6.52.13
